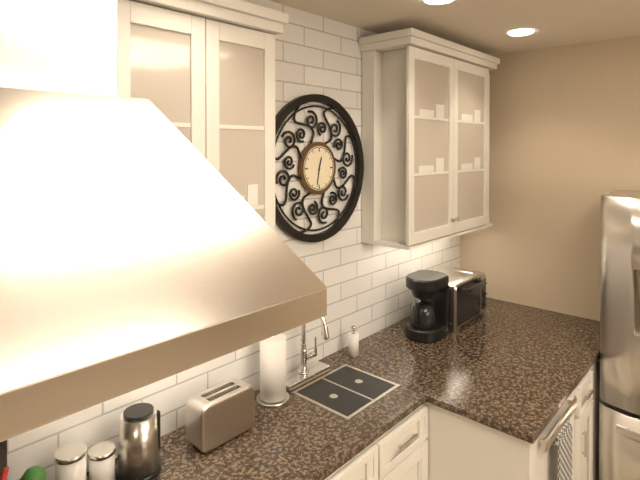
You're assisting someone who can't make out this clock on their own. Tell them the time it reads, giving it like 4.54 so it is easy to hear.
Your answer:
12.32
